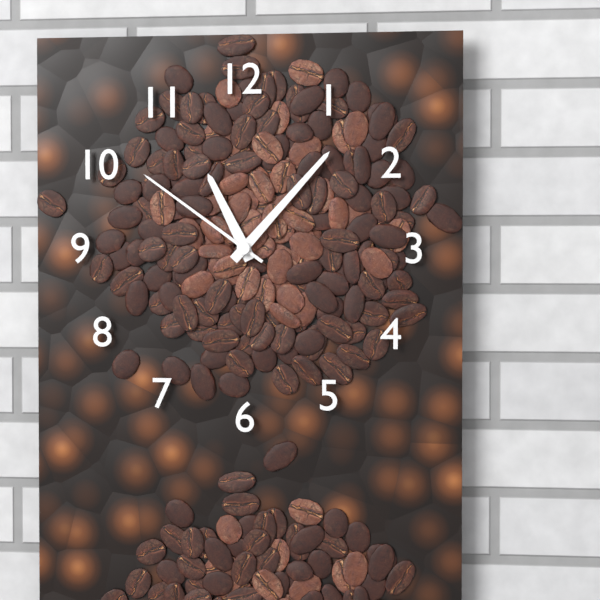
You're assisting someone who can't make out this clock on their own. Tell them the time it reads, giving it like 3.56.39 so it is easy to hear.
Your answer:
11.07.51
